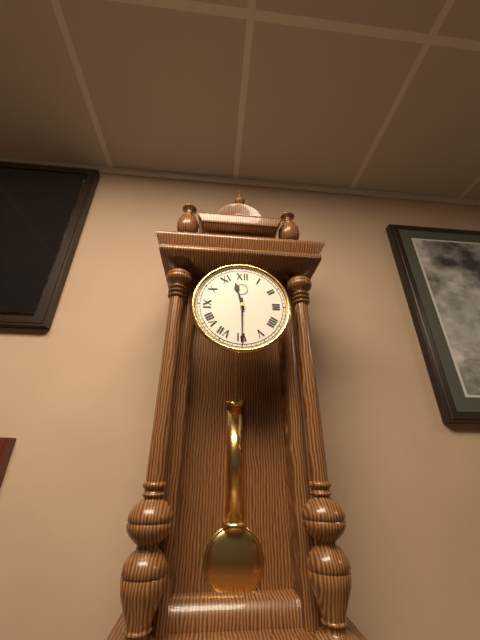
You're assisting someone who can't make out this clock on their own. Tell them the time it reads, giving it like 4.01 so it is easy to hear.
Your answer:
11.30
